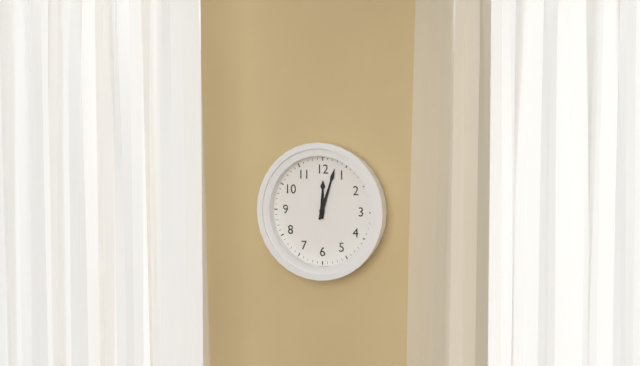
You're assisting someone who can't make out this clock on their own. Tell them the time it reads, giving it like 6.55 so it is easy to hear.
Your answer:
12.03
